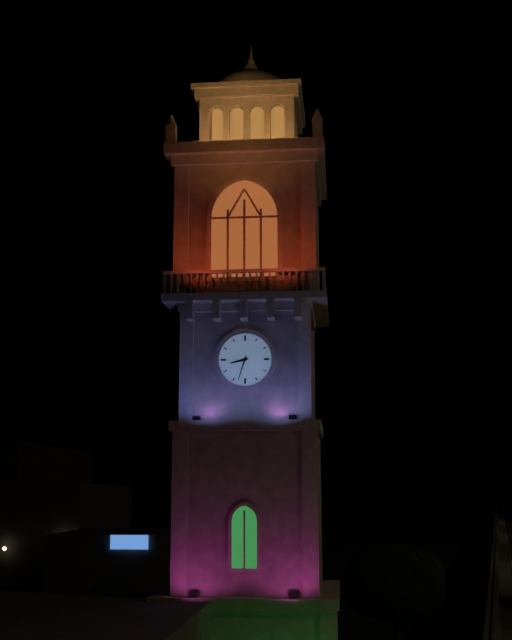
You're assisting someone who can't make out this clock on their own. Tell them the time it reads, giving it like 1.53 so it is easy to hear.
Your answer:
8.33
